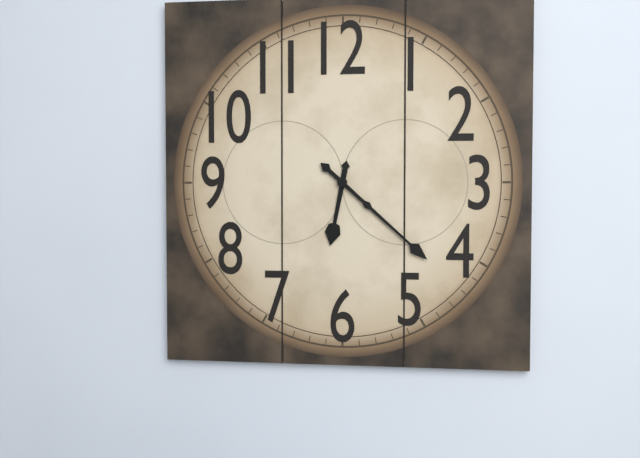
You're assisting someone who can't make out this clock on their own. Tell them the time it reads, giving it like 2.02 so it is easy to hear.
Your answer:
6.22
